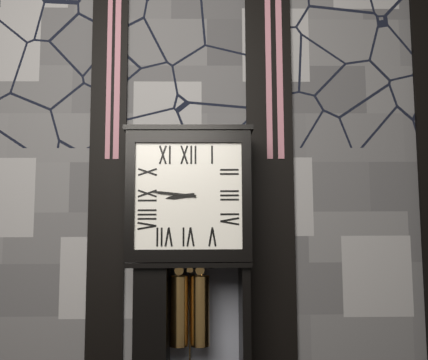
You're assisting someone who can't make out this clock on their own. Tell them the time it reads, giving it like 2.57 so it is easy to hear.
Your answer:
8.46
